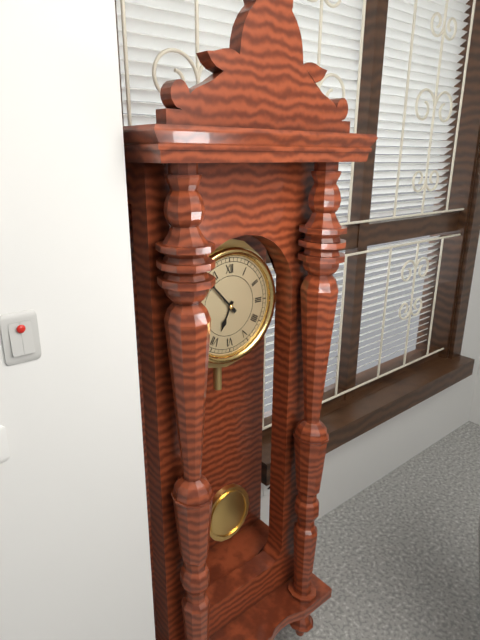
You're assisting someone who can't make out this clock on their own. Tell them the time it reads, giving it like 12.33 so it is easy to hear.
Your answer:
6.53
